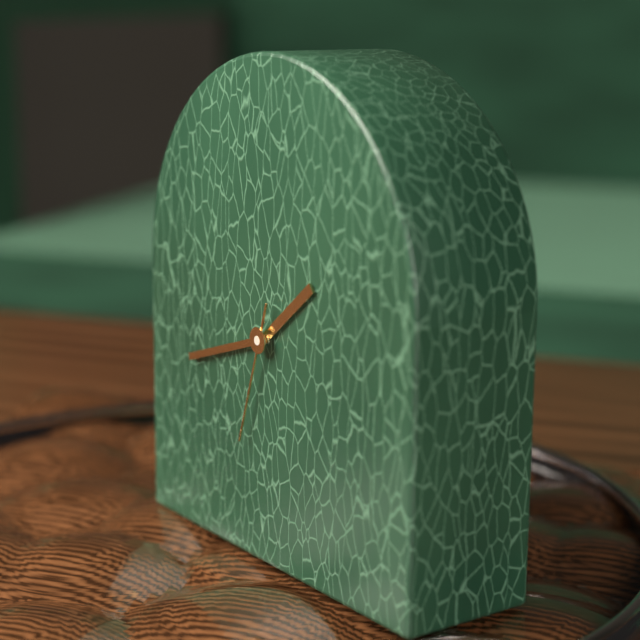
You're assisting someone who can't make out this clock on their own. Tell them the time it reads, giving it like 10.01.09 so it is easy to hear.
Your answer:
1.42.33
